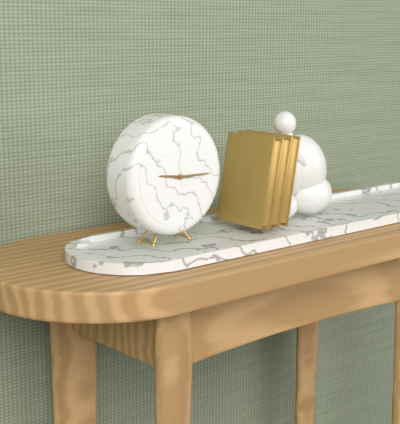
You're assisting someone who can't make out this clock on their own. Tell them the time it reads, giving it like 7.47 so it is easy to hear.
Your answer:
9.15
